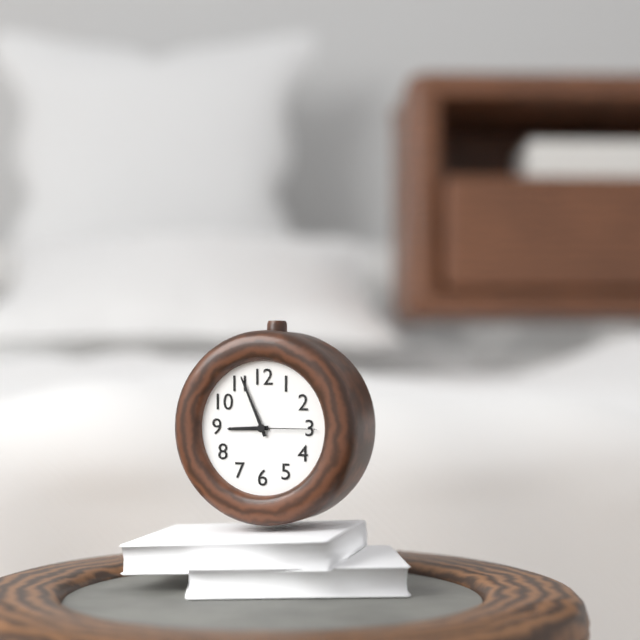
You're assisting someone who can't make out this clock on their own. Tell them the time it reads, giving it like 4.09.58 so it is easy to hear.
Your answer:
8.56.15
